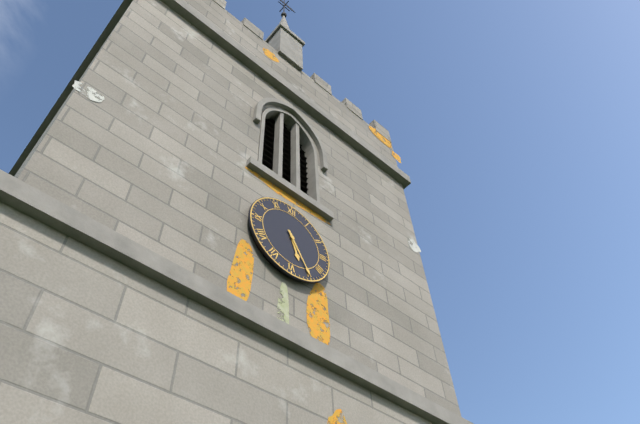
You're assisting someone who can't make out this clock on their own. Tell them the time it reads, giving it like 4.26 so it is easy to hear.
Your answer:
5.25
